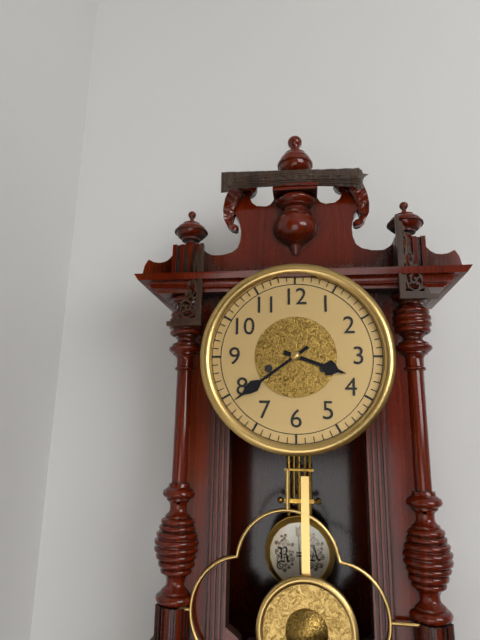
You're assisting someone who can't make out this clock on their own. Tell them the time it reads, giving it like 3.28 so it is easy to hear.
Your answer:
3.39
